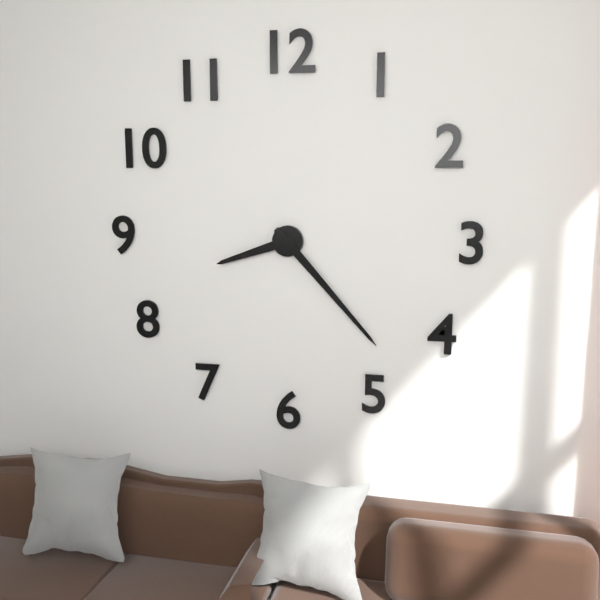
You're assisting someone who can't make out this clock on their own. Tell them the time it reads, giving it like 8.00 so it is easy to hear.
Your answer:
8.23
